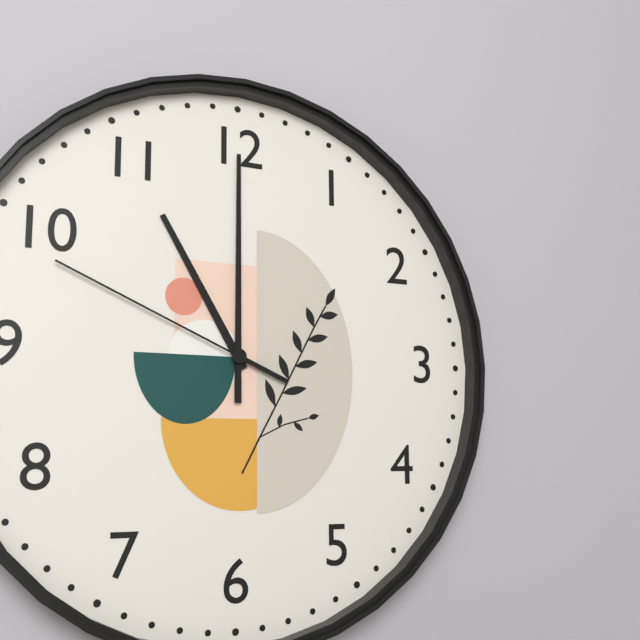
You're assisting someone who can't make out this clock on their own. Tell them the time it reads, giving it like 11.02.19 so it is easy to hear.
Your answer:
11.00.49
